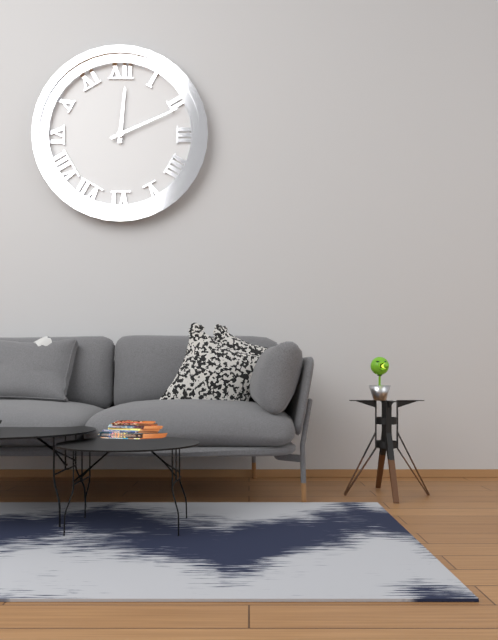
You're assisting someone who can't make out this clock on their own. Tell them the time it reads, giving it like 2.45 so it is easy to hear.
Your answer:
12.11
